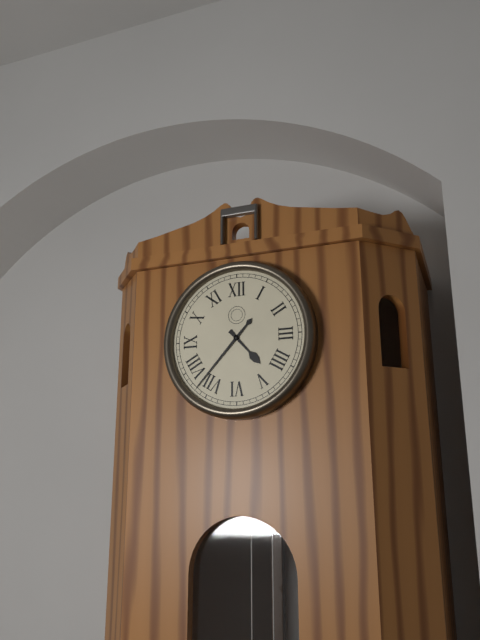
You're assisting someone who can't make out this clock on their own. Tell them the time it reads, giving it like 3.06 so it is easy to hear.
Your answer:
4.37
